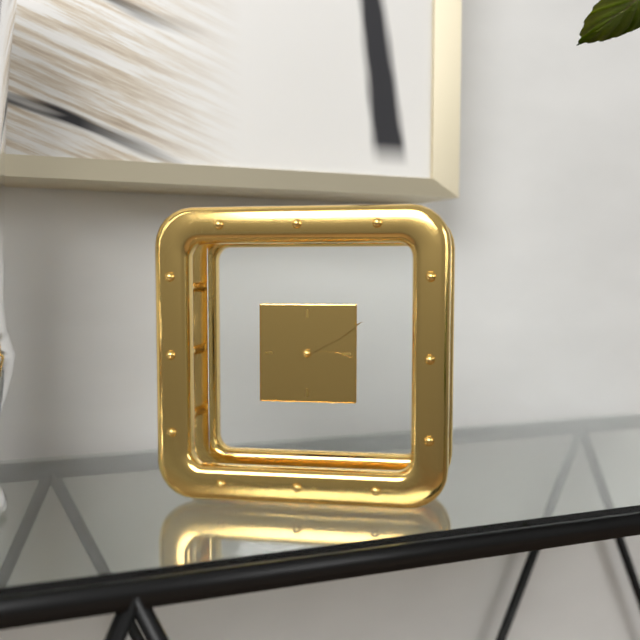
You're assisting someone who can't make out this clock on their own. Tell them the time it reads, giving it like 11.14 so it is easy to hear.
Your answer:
3.10
